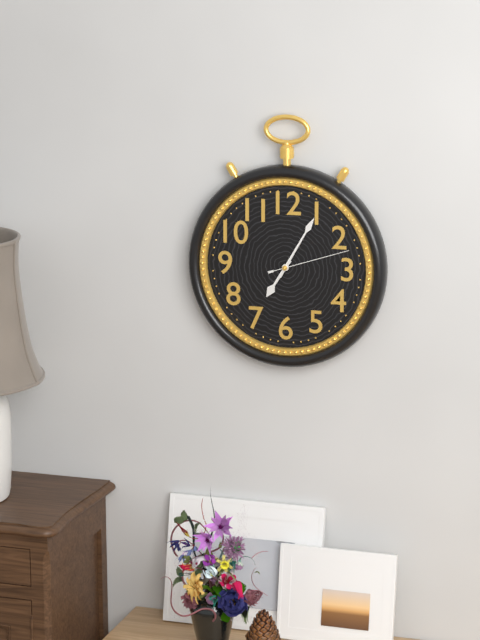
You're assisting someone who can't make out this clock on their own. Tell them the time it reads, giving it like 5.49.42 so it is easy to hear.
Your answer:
7.05.12
